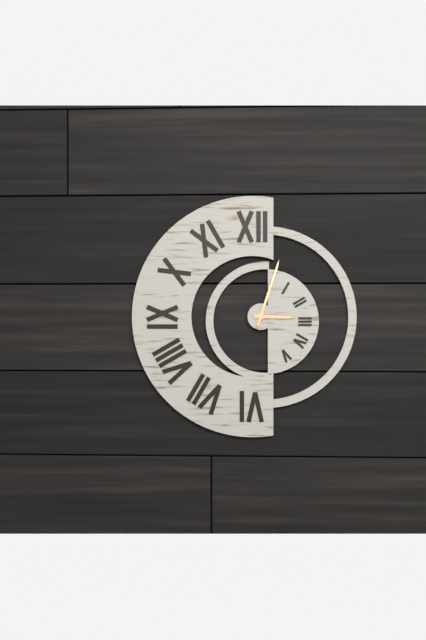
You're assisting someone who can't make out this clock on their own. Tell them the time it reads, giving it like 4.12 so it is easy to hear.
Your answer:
3.03
